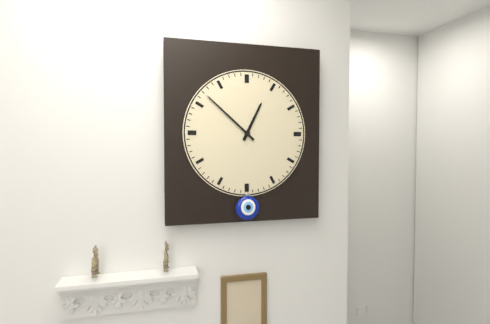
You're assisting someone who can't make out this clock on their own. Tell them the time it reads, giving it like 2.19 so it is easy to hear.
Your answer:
12.52
